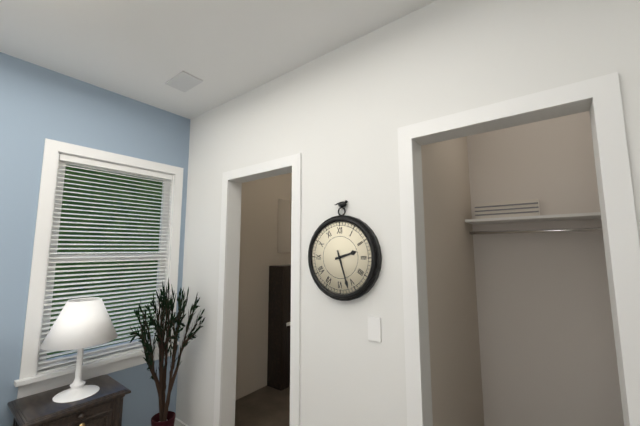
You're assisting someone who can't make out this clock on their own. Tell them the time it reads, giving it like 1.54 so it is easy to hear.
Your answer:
2.27
